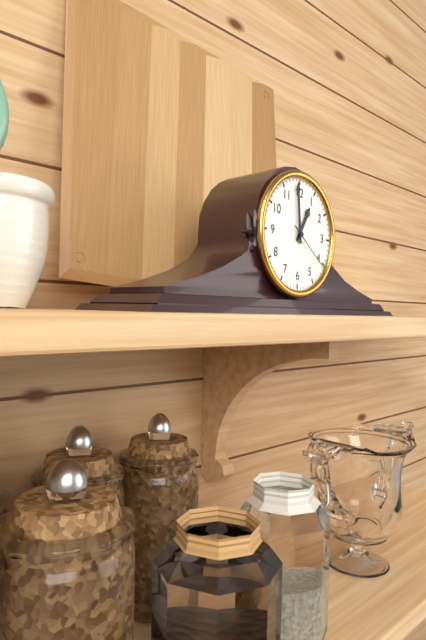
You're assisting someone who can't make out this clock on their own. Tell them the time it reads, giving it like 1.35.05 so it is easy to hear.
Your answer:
12.59.21
